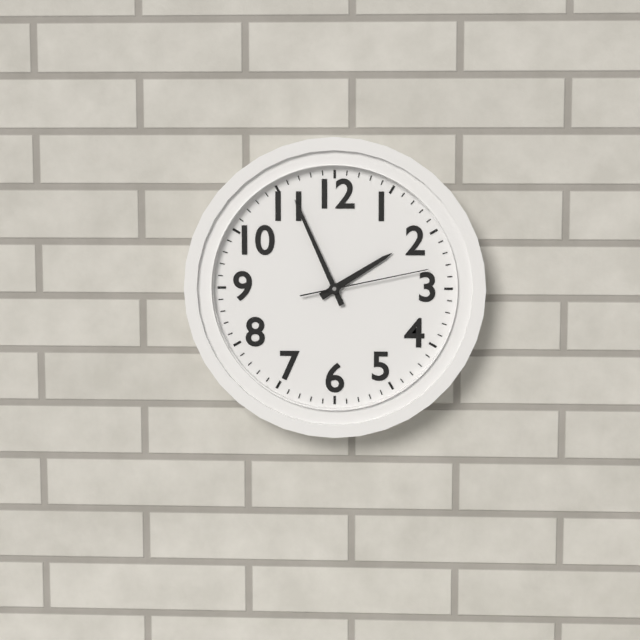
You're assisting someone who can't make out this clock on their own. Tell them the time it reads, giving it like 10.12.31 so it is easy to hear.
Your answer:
1.56.13
